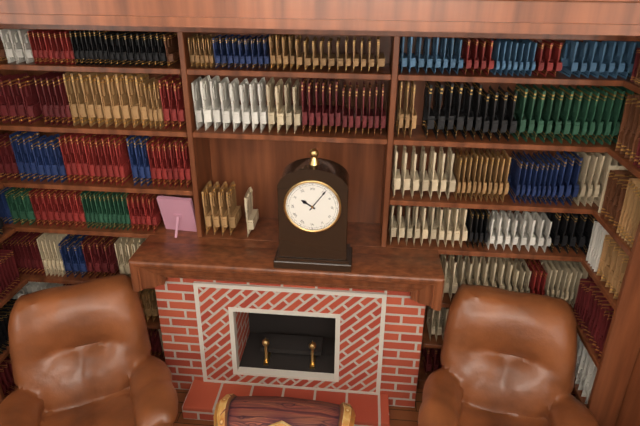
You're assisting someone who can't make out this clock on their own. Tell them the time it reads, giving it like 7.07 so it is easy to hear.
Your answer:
10.06
